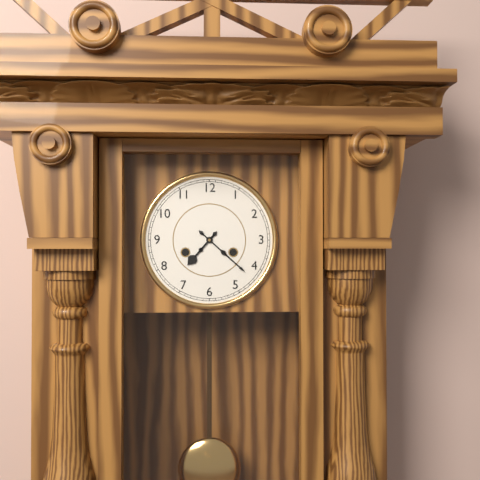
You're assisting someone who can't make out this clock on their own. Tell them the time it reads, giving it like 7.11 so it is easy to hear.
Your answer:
7.22
